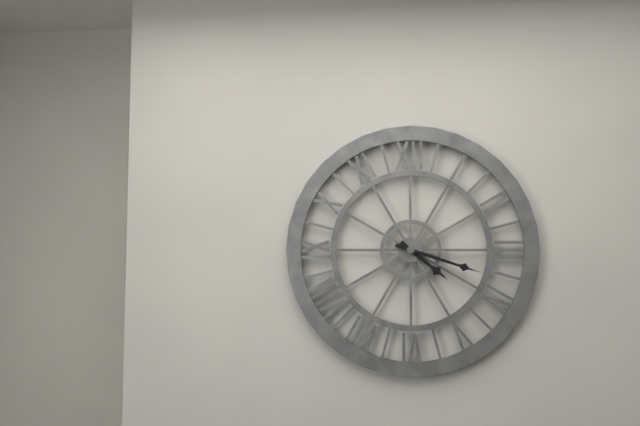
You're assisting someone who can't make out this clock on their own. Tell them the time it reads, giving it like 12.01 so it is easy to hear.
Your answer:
4.18
